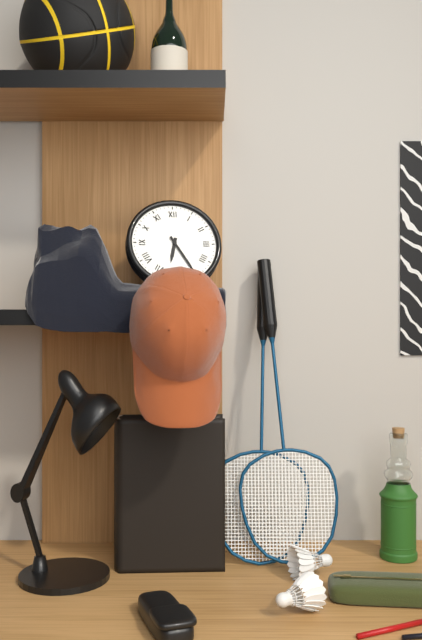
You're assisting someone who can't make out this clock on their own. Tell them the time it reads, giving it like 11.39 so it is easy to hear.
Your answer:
6.25
